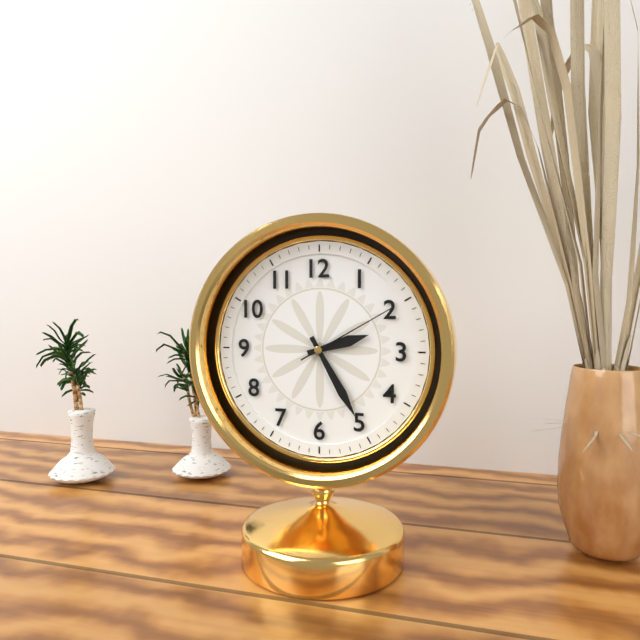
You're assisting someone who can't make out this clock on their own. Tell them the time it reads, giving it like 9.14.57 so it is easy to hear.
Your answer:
2.25.10
